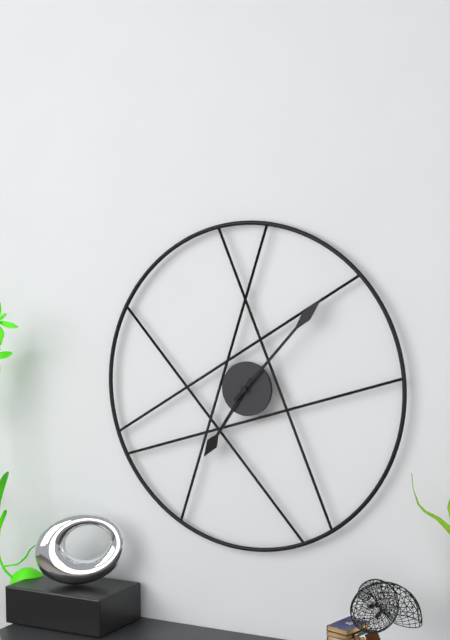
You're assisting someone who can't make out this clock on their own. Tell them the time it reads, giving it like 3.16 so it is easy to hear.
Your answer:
7.07
